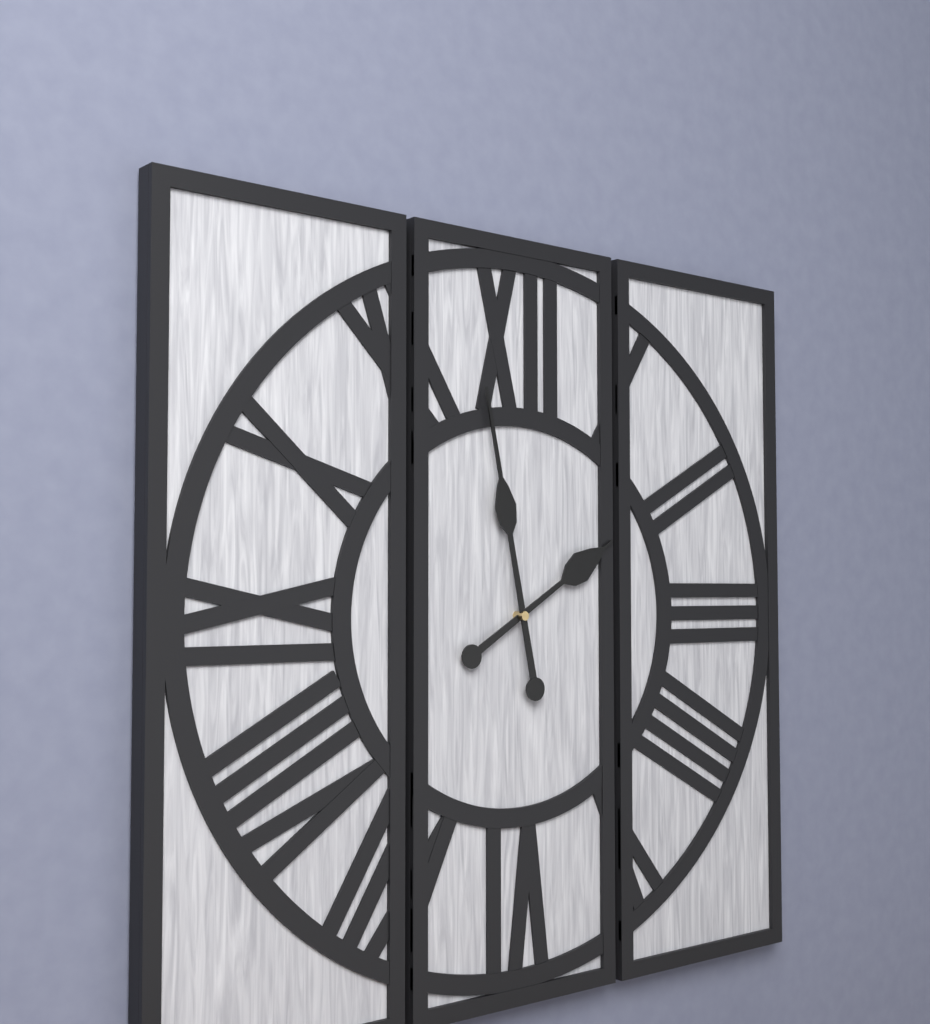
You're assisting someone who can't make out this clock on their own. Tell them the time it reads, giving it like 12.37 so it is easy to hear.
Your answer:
1.58
